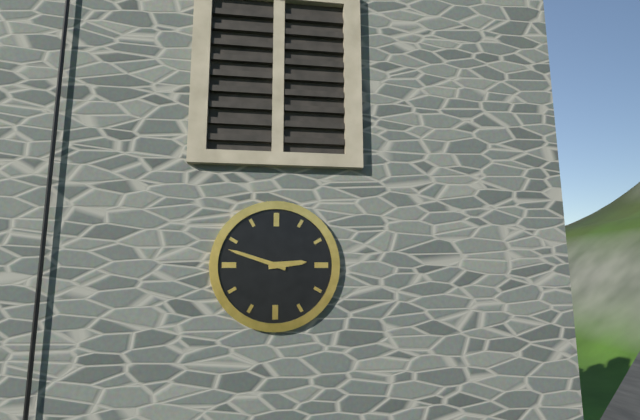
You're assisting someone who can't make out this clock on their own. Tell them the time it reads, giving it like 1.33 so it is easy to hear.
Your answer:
2.48
